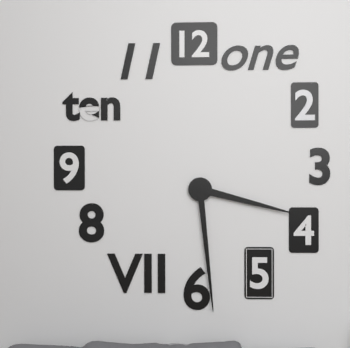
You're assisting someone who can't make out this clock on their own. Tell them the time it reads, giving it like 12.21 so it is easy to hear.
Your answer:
3.29
